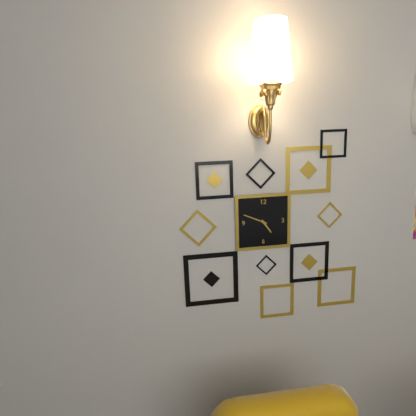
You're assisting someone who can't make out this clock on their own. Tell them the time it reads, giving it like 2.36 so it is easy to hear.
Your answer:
4.49
